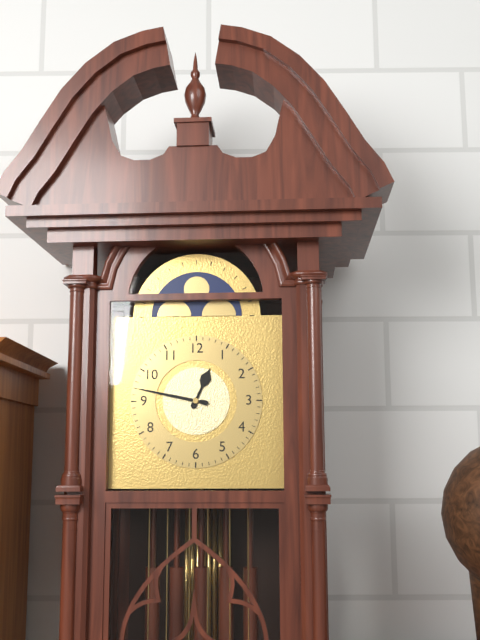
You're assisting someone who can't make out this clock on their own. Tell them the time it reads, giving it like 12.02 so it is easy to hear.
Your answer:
12.47
